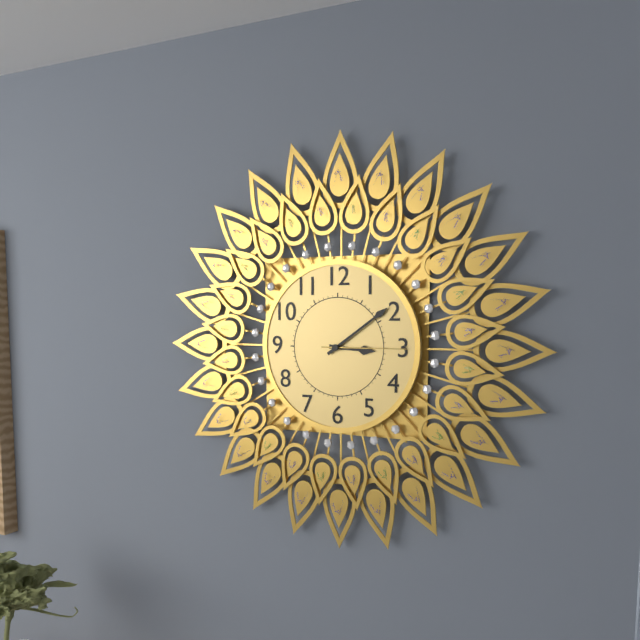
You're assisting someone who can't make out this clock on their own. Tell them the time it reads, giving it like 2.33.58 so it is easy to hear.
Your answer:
3.09.15
